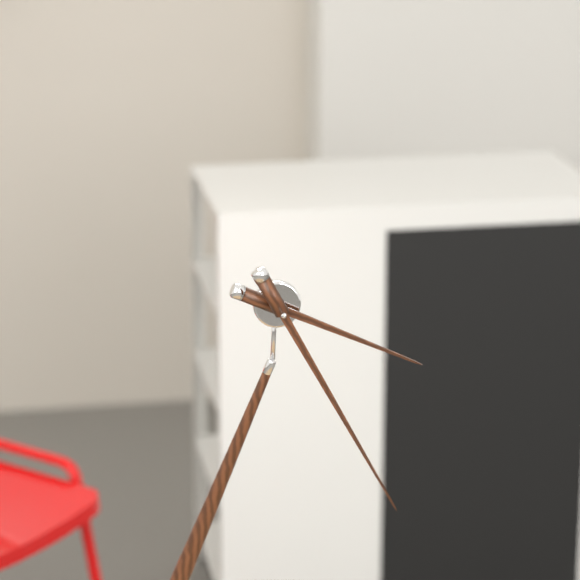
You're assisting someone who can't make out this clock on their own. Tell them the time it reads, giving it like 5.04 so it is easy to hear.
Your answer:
3.23
